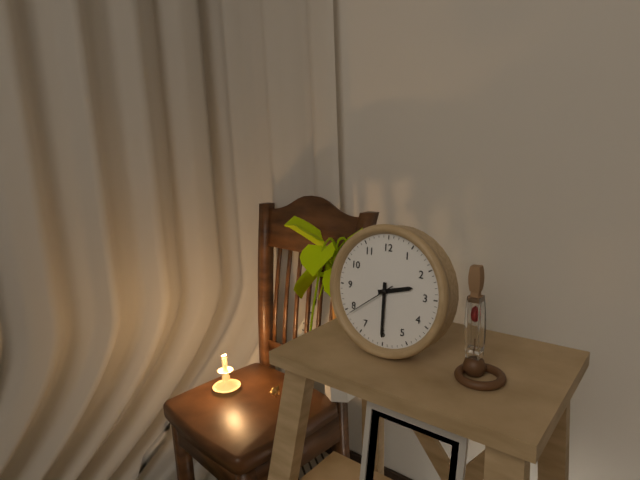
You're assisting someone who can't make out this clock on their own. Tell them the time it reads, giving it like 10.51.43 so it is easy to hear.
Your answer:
2.30.39
